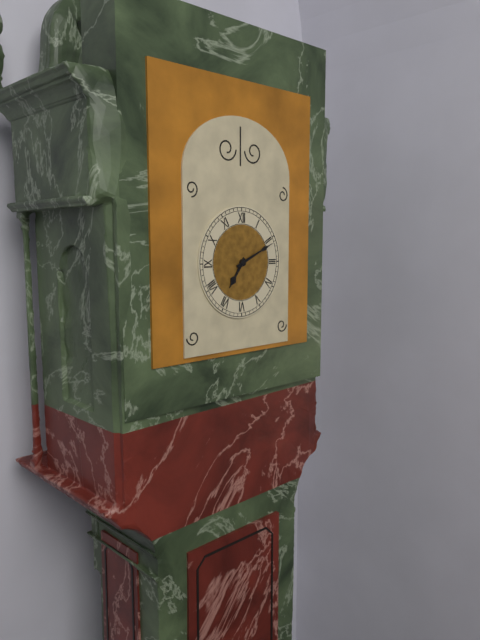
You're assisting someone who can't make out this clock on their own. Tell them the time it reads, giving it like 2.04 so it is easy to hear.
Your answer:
7.11
